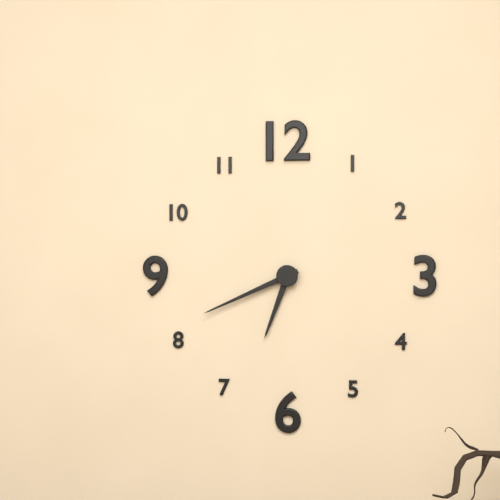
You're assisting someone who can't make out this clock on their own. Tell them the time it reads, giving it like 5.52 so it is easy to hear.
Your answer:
6.41
